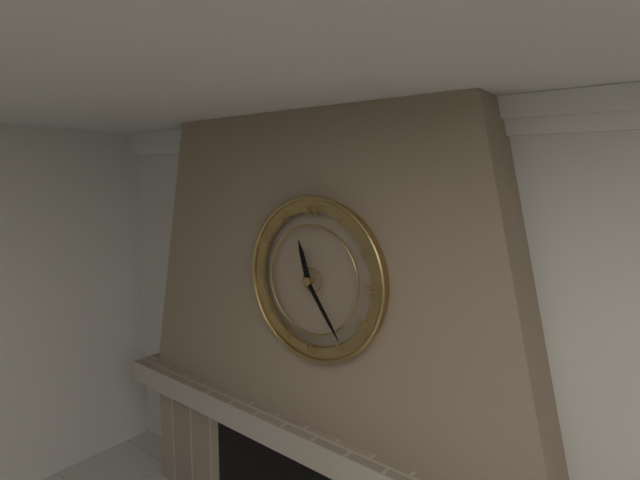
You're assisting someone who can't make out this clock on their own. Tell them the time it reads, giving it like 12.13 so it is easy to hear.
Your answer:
11.24
